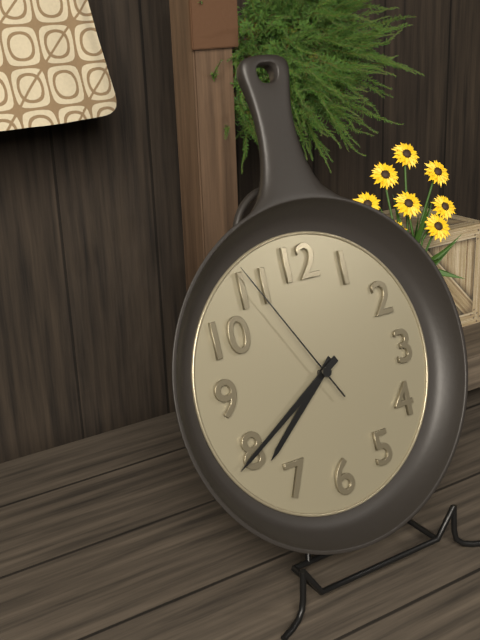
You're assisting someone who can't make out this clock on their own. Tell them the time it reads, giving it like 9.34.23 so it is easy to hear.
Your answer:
7.40.55
